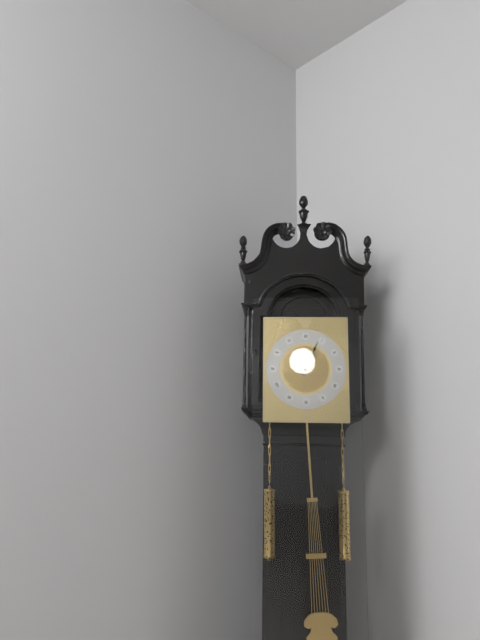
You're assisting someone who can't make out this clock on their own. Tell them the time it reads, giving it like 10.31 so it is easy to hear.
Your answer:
1.04
